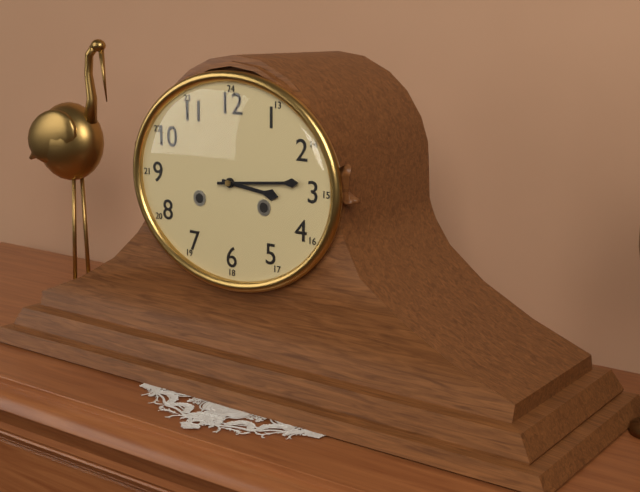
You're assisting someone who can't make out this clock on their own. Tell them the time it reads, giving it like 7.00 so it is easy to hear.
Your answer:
3.14
